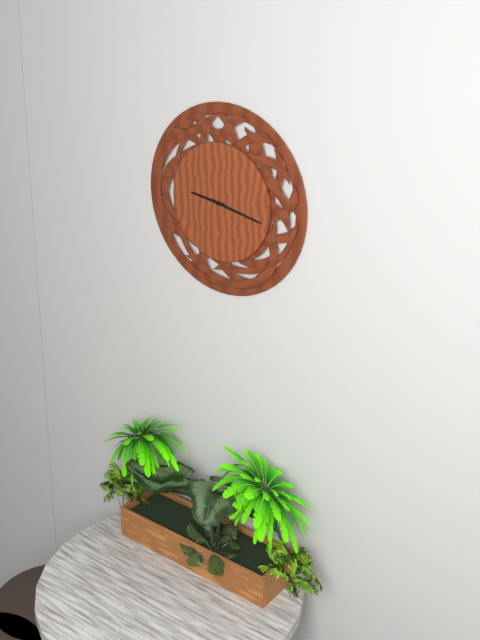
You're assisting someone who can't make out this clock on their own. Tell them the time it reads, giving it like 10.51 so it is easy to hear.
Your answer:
9.17
